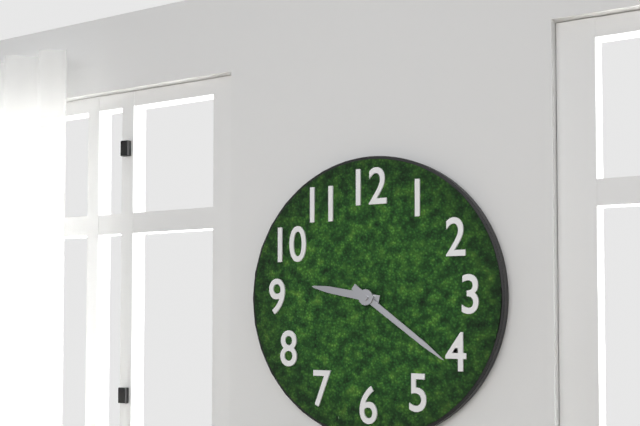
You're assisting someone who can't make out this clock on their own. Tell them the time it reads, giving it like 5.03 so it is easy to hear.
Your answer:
9.21
